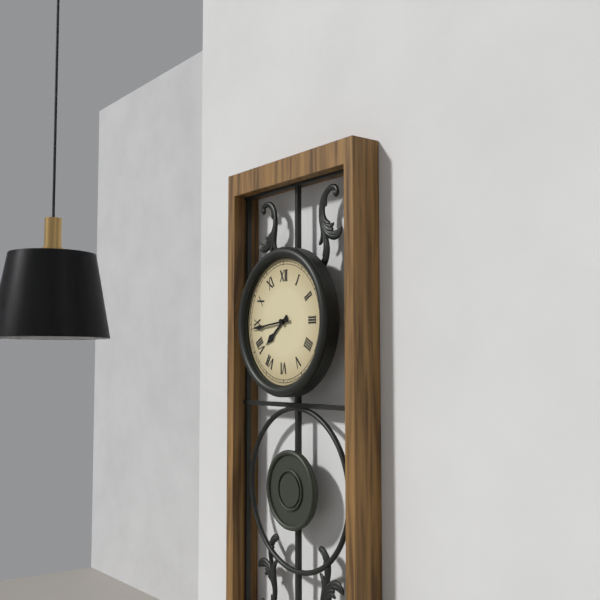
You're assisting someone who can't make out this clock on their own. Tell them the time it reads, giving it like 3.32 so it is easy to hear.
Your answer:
7.44
